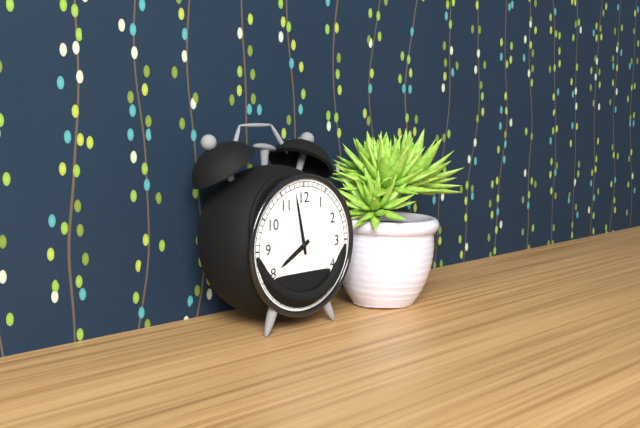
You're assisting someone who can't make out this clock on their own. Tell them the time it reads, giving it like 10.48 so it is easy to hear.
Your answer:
7.58
